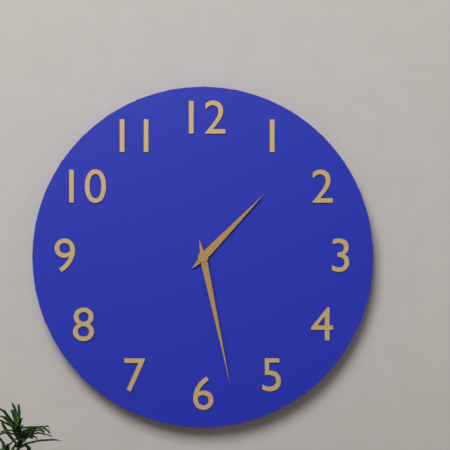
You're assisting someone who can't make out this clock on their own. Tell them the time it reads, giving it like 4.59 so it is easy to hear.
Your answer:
1.28
